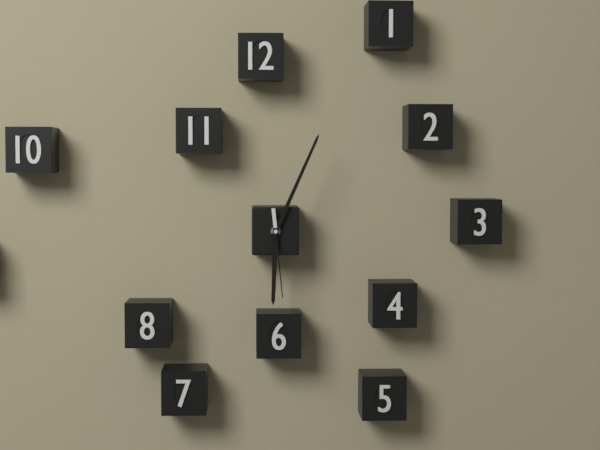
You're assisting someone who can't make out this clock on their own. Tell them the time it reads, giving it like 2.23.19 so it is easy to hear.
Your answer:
6.04.29
